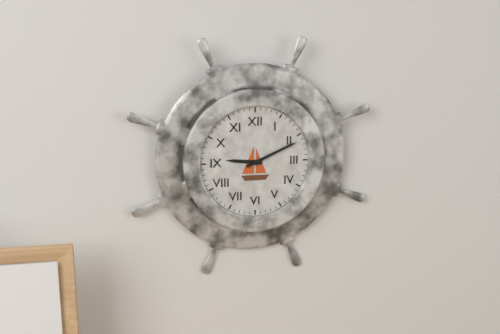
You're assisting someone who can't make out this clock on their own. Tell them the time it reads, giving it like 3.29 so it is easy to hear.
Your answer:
9.11
